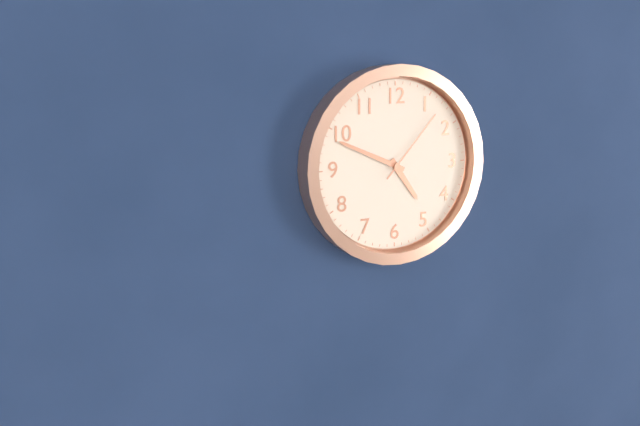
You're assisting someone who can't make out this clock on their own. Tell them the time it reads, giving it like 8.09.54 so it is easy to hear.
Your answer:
4.49.07
